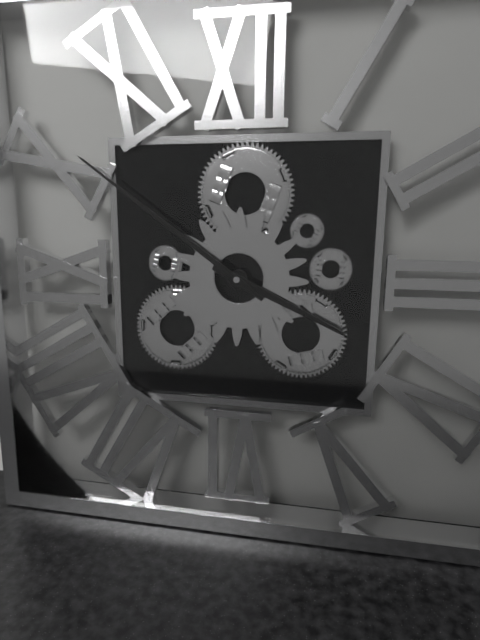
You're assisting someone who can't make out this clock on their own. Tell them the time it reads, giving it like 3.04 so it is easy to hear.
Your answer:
3.51
